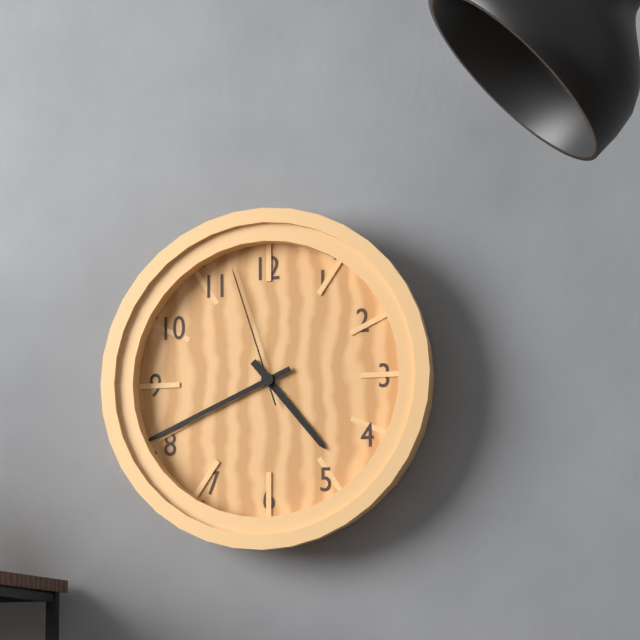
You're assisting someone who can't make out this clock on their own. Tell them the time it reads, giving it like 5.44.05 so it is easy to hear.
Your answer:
4.41.57
